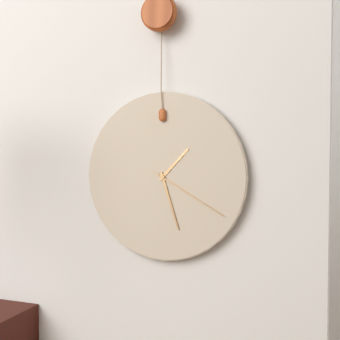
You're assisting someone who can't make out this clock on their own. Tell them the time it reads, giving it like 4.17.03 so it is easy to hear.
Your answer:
1.27.20
